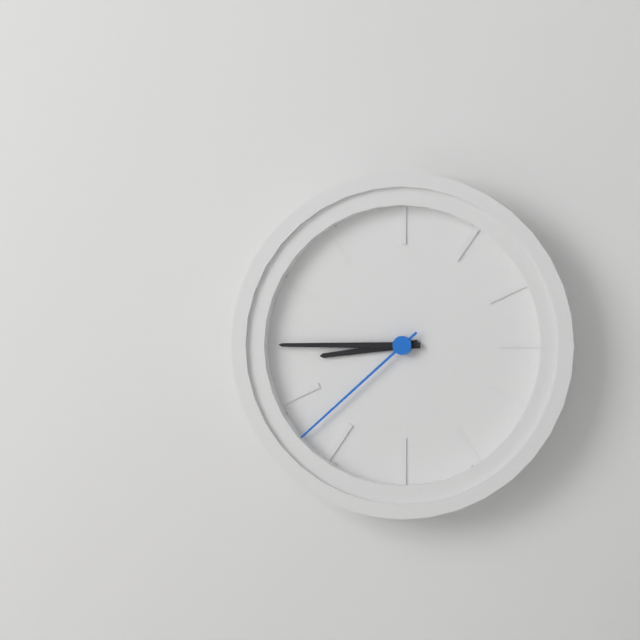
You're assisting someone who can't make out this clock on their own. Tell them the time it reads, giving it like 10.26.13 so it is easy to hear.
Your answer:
8.45.38
